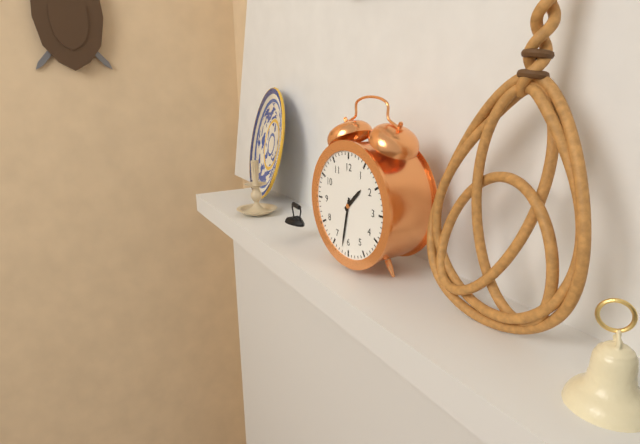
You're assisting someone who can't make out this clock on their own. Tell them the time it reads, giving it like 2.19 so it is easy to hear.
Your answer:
1.32
